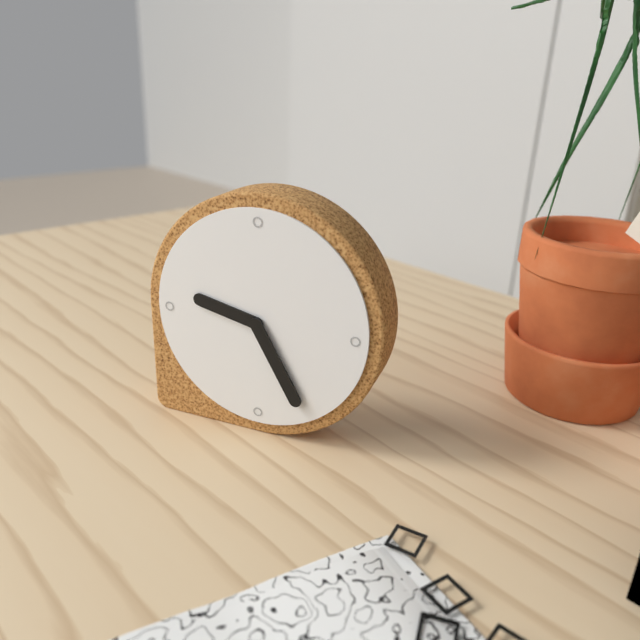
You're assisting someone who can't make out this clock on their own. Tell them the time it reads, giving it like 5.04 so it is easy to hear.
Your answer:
9.25
